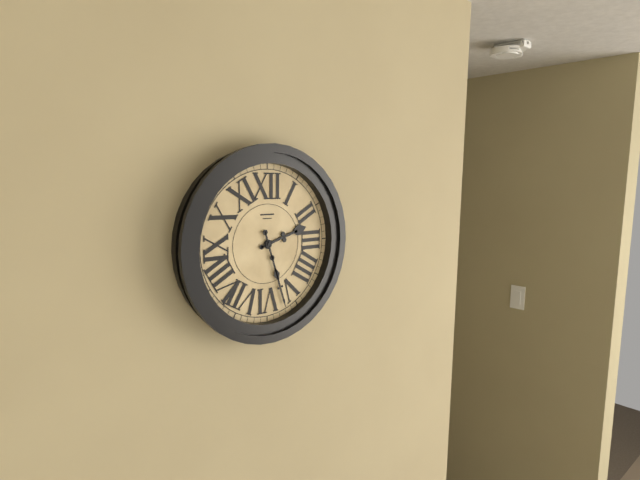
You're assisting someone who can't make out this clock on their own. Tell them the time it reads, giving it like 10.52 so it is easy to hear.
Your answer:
2.27
